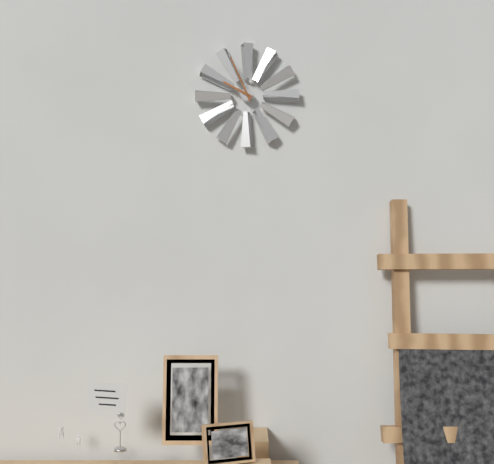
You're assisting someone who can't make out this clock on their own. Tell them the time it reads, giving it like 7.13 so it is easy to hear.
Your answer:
9.56
